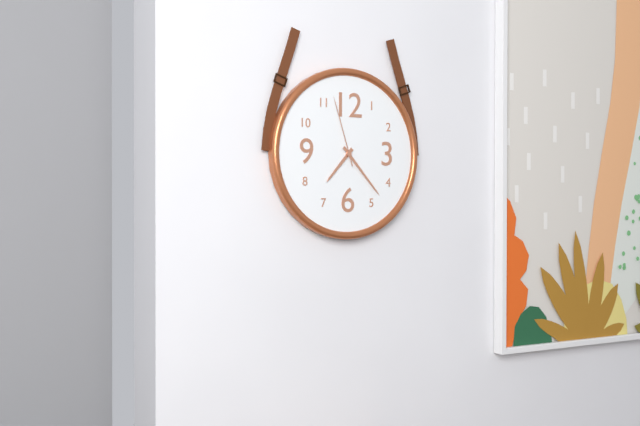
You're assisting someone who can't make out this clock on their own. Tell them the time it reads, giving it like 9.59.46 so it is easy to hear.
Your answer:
7.23.57
